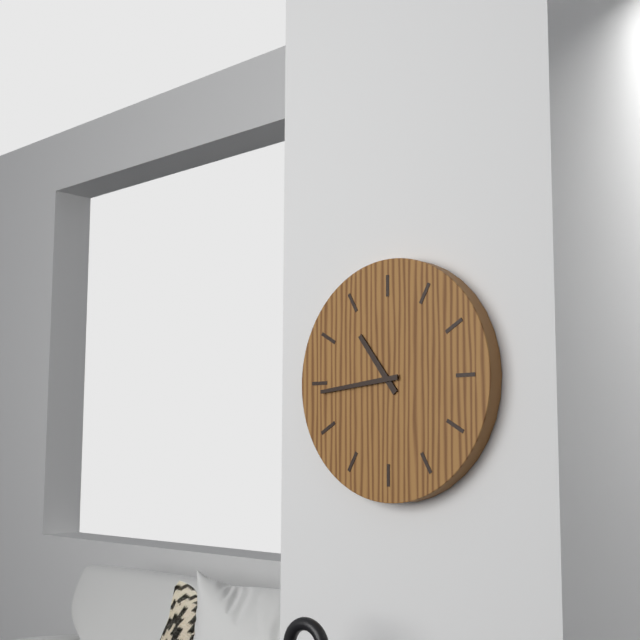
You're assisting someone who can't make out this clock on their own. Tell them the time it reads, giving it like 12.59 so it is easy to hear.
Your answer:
10.44
